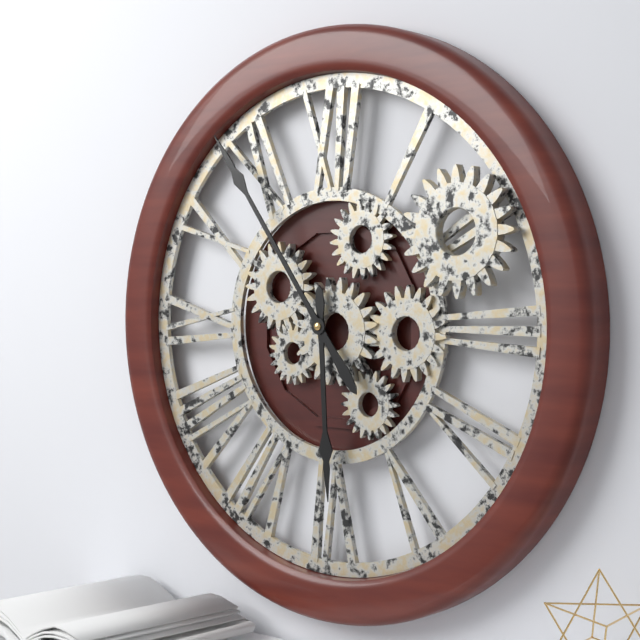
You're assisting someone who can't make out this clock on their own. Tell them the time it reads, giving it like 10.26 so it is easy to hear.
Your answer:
5.54
